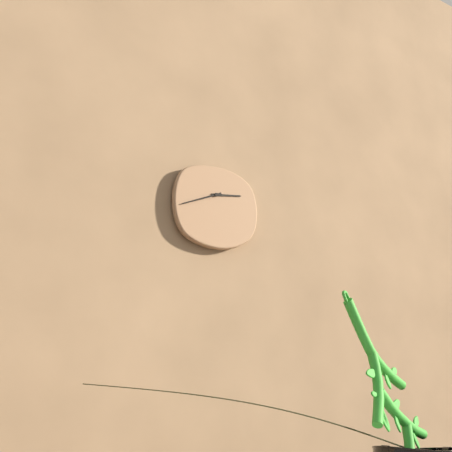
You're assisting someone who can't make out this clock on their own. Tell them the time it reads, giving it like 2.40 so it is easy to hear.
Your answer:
2.41
